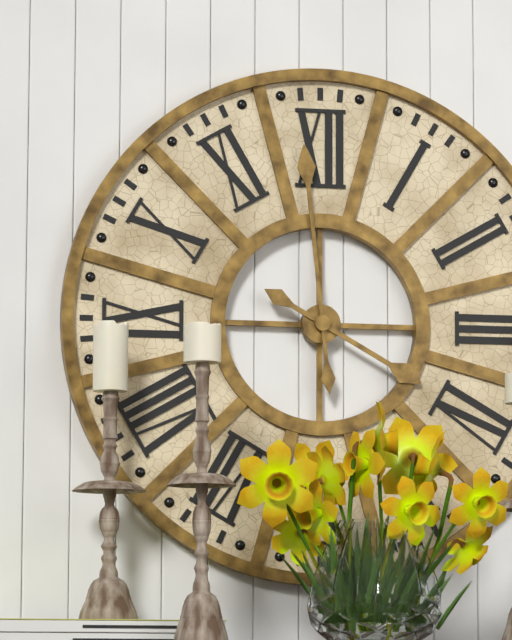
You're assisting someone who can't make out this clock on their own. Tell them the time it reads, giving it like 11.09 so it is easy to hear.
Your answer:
3.59
